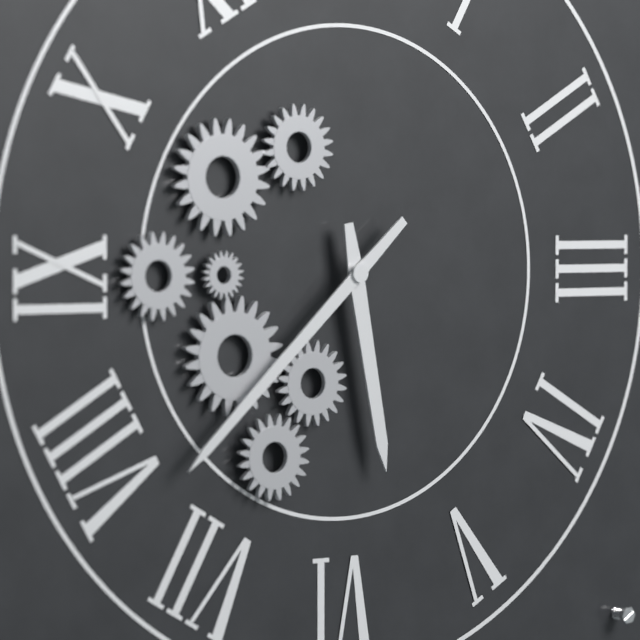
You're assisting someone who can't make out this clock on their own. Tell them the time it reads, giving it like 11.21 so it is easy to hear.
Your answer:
5.38
